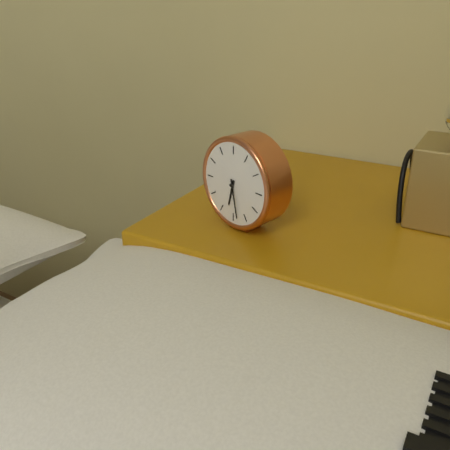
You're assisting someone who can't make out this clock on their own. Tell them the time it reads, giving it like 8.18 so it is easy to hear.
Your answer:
6.28
